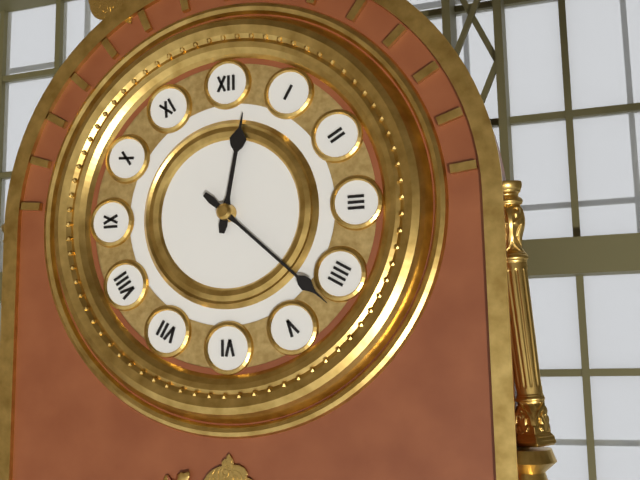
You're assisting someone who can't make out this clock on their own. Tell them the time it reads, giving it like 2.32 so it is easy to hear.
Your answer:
12.22
